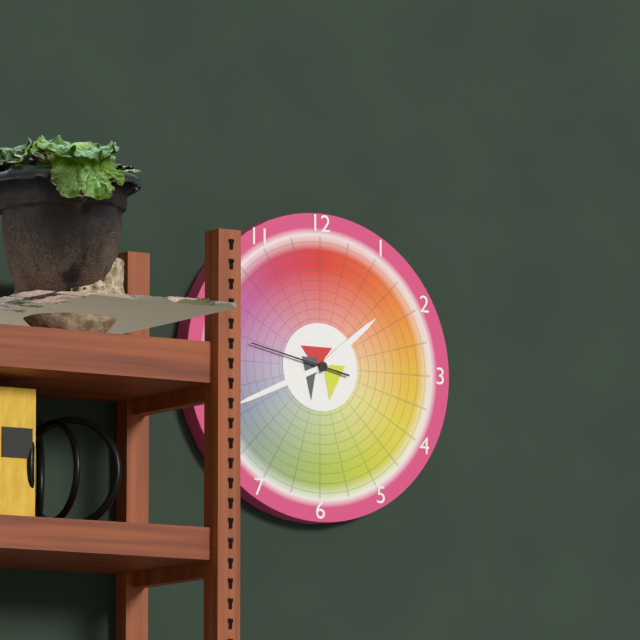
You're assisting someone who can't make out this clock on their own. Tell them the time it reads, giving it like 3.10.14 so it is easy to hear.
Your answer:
1.41.47
